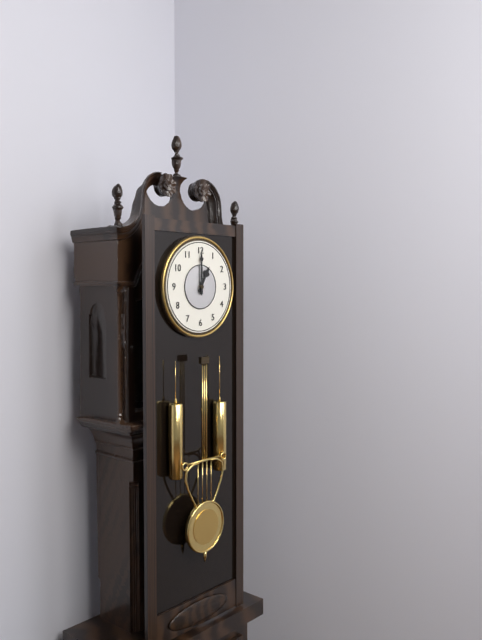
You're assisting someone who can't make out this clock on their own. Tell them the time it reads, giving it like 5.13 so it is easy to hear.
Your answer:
1.00
